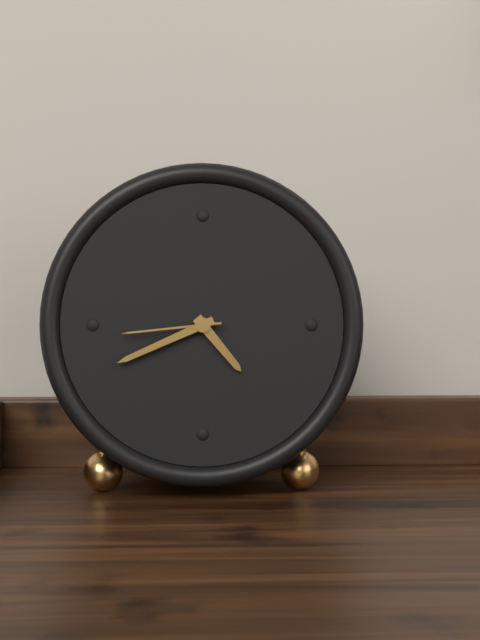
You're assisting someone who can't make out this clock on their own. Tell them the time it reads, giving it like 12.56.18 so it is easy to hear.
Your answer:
4.41.44
